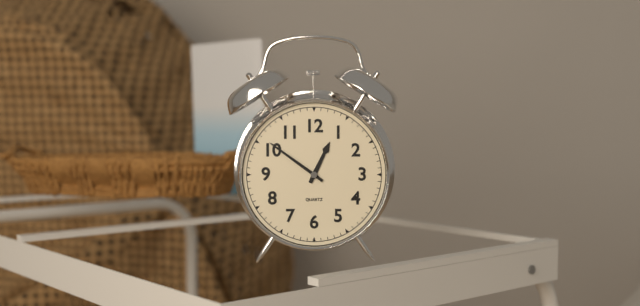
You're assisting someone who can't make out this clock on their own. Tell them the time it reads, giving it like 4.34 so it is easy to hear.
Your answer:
12.51
